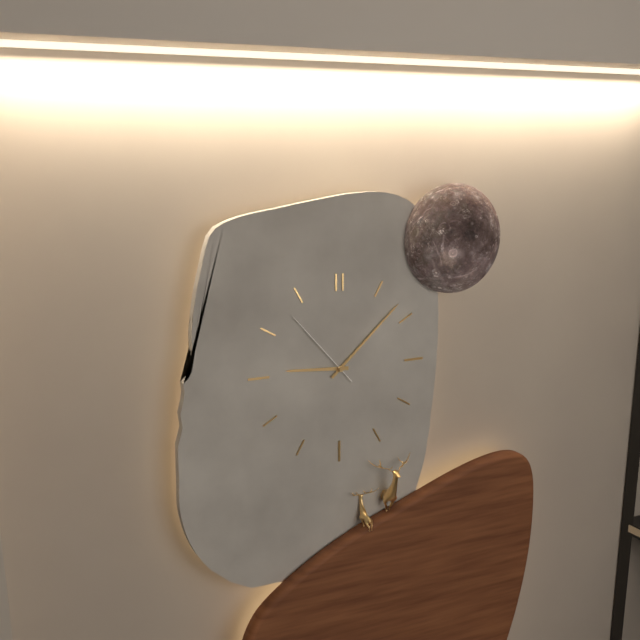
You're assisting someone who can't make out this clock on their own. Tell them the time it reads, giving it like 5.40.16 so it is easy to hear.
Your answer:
9.08.53
